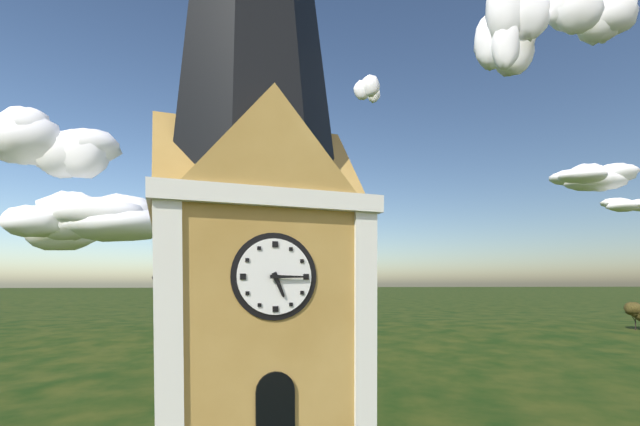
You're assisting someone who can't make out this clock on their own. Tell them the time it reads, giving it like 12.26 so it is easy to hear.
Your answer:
5.15
